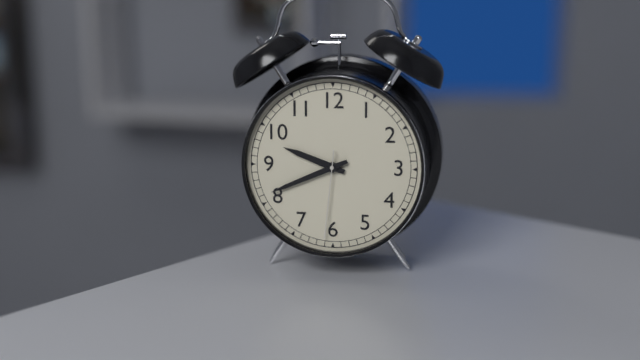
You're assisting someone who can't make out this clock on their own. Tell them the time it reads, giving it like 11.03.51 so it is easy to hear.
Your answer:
9.41.31
